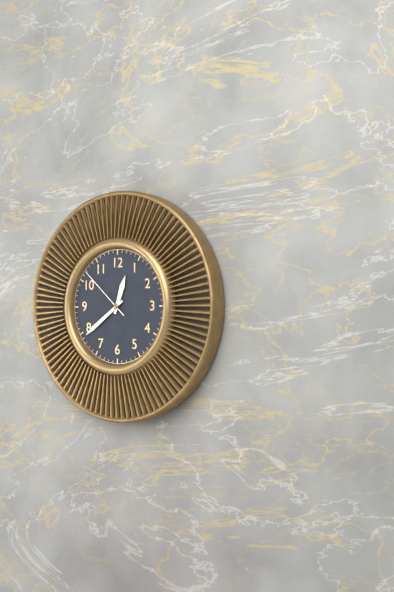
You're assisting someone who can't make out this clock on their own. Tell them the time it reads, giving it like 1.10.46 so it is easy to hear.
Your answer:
12.39.52
